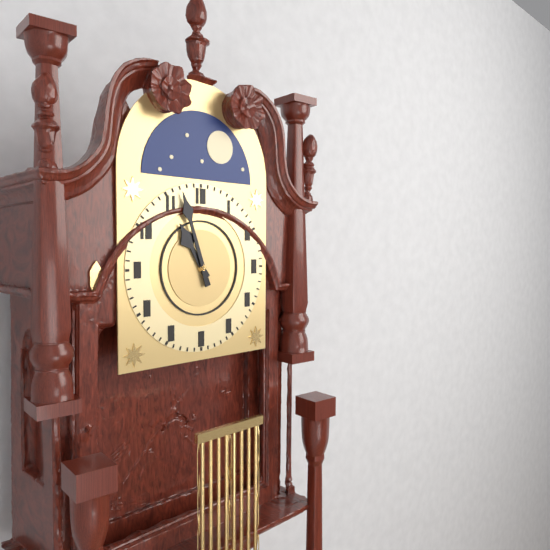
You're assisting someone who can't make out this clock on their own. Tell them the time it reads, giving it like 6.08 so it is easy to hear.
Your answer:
10.57
